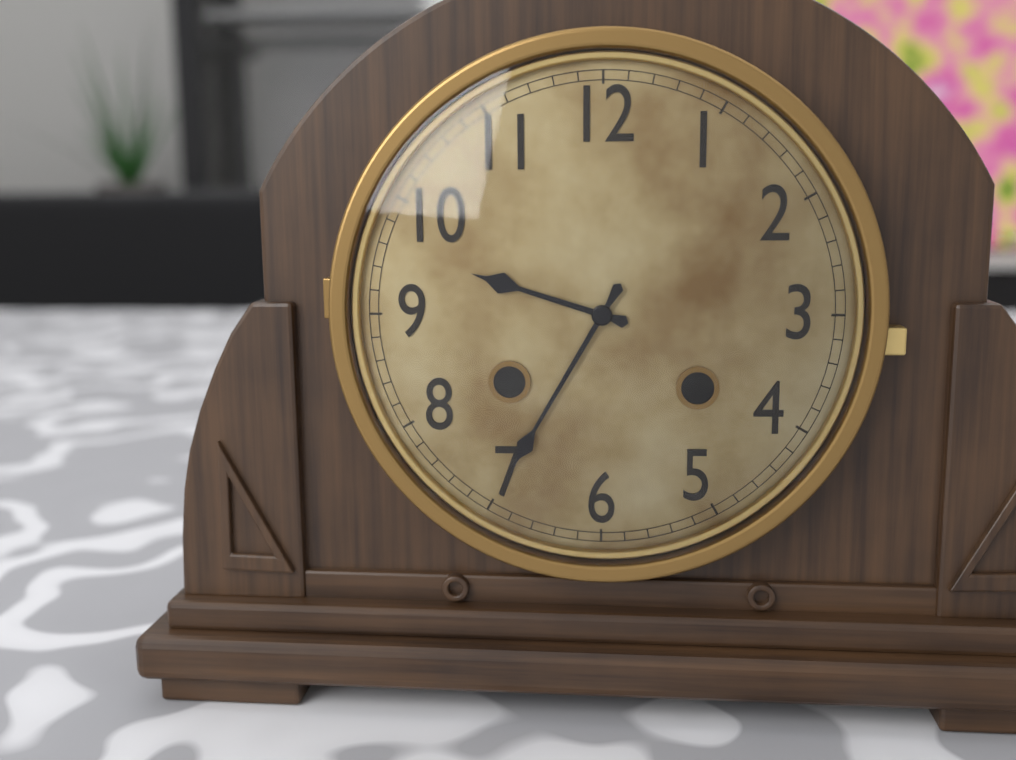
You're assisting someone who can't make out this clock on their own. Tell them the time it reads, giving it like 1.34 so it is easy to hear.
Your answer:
9.35
